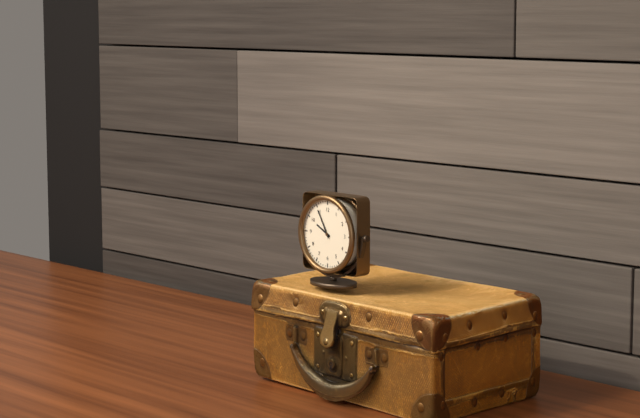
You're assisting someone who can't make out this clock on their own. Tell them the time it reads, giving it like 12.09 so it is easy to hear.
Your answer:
9.55
